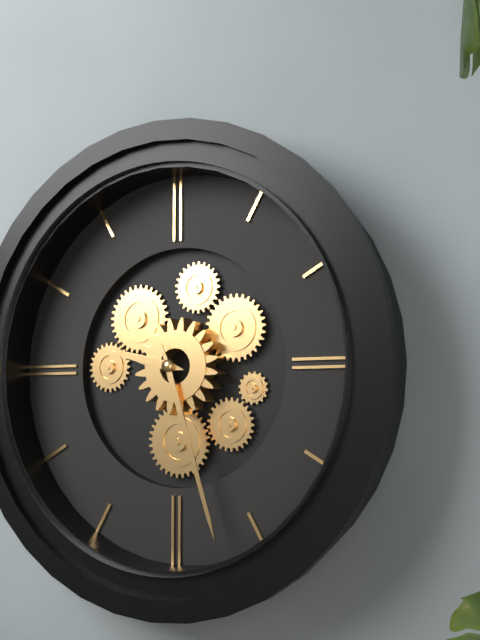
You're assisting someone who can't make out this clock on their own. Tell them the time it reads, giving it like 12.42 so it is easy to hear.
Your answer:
9.27
